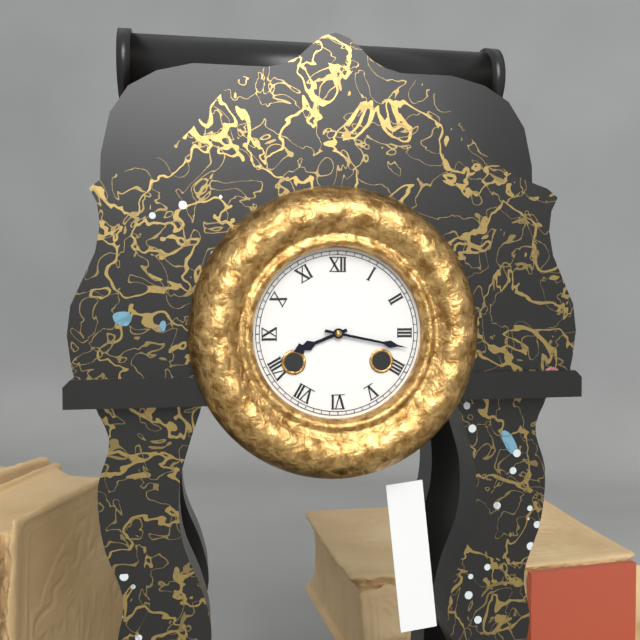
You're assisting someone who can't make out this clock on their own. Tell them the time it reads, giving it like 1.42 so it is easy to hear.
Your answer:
8.17
